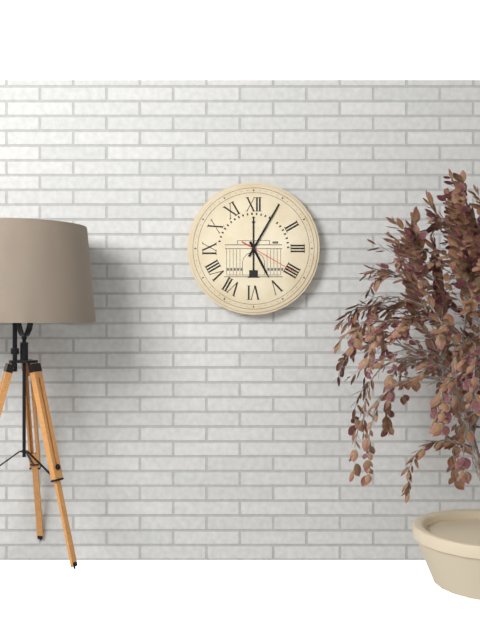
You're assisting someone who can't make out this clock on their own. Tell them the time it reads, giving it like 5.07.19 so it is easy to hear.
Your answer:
5.05.20
